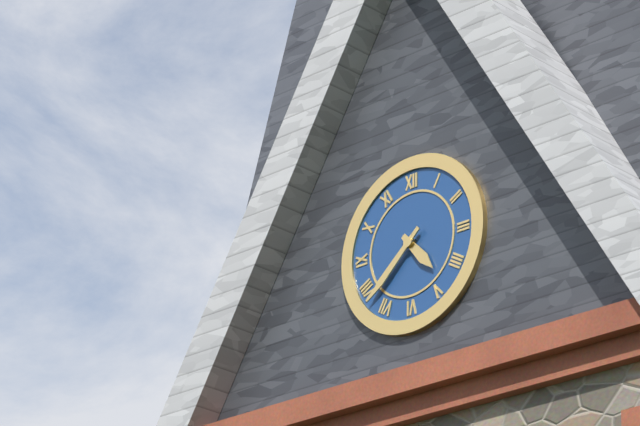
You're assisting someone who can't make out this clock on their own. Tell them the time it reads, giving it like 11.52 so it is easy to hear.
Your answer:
4.38
